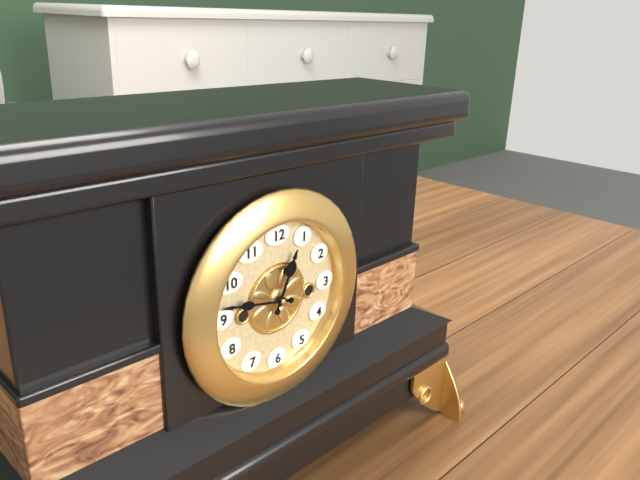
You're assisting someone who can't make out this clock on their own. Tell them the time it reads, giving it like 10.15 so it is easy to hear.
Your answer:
12.47
